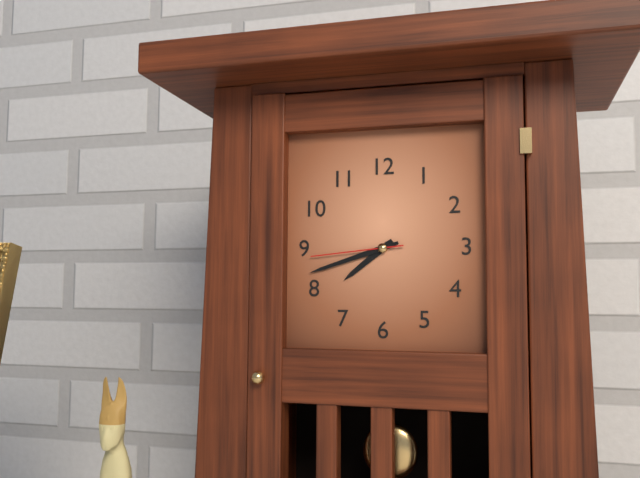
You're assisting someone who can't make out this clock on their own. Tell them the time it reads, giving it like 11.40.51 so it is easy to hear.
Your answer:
7.42.44
